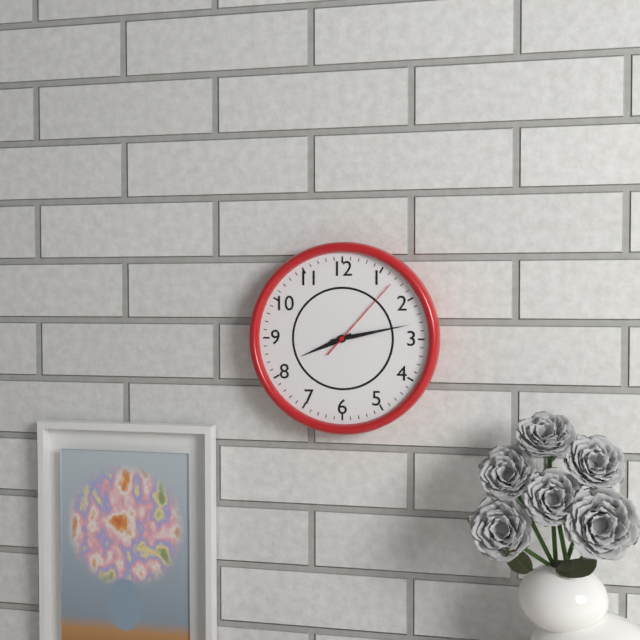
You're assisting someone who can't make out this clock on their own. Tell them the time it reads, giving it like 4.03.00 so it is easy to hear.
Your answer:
8.13.07
